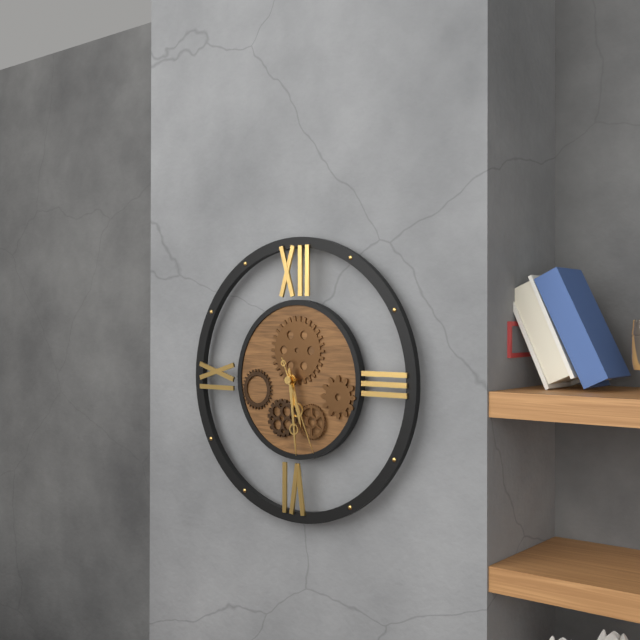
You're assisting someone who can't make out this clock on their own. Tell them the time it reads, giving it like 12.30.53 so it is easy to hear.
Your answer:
5.29.26
